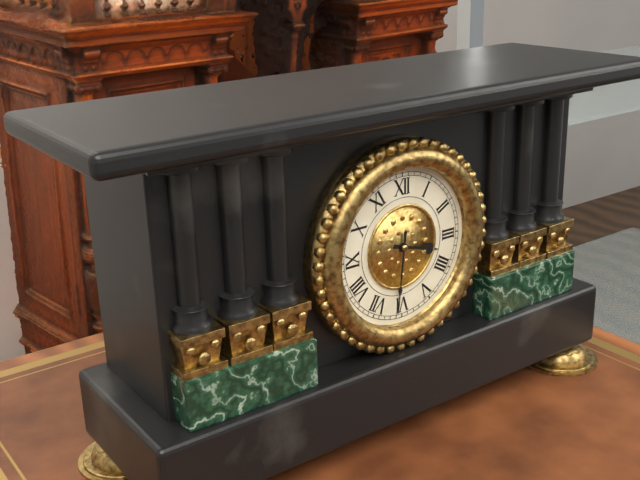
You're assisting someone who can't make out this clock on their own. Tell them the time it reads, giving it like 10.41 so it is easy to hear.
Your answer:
3.31
